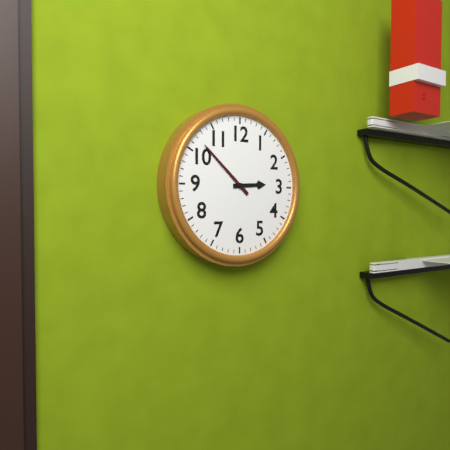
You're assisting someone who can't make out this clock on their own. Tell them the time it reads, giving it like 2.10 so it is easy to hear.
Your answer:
2.52
